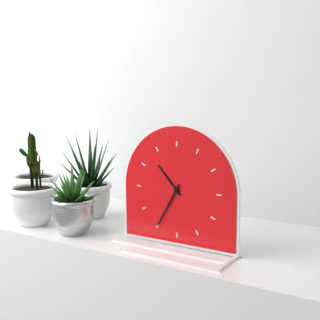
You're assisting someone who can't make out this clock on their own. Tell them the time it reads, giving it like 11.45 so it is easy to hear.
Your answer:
10.35
